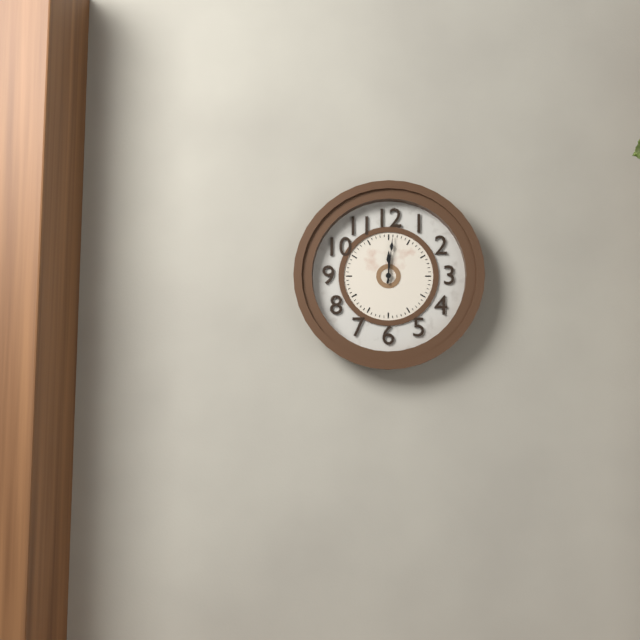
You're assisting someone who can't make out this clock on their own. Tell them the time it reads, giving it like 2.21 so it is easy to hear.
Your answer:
12.01
